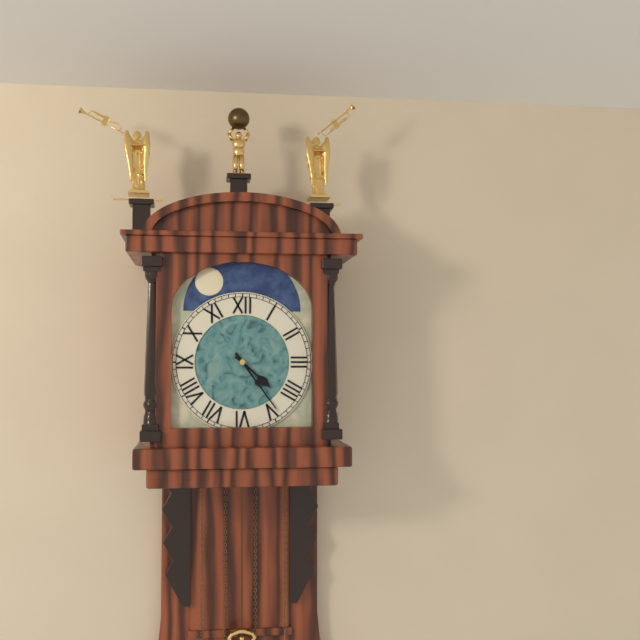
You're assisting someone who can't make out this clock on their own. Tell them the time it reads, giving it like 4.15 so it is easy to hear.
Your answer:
4.24
